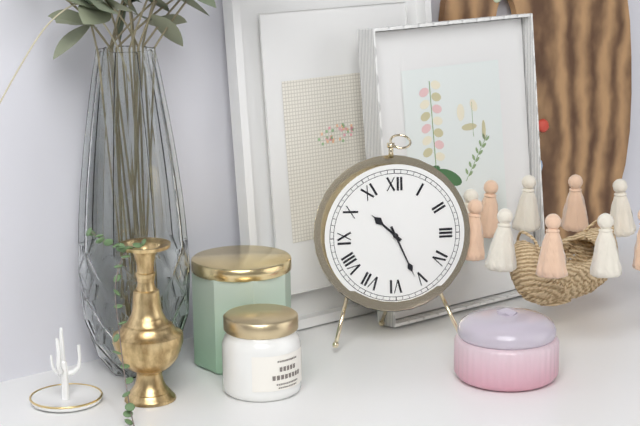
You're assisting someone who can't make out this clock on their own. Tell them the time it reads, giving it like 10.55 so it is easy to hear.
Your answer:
10.26
